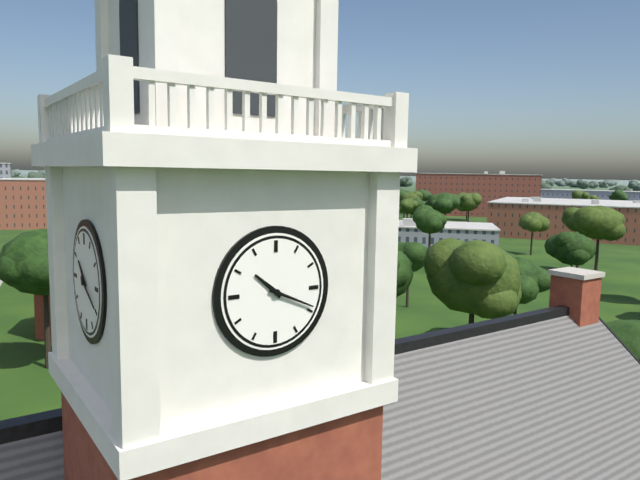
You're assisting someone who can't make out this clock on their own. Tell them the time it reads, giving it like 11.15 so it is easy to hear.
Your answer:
10.19
